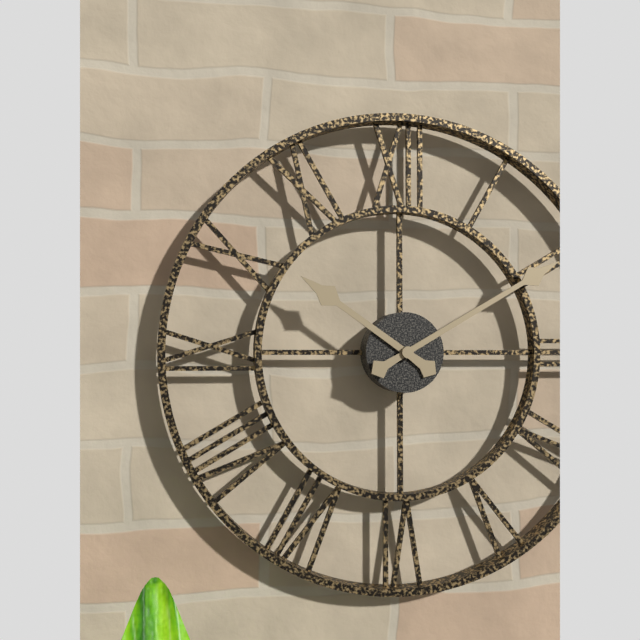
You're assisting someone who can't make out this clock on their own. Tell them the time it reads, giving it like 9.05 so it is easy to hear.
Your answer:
10.10
